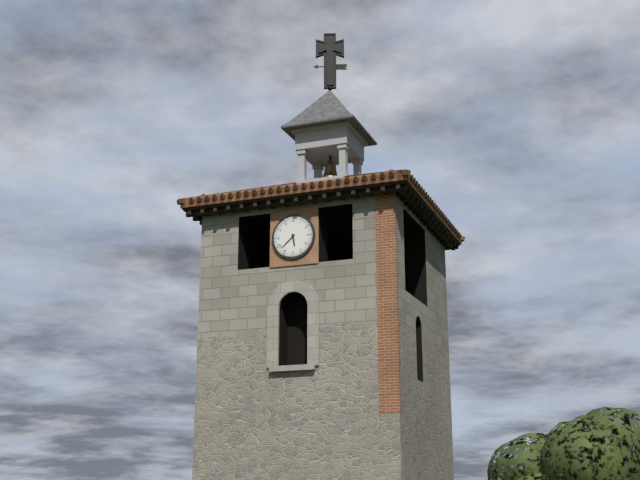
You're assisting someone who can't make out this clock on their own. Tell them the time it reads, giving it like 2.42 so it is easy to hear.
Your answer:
5.38
